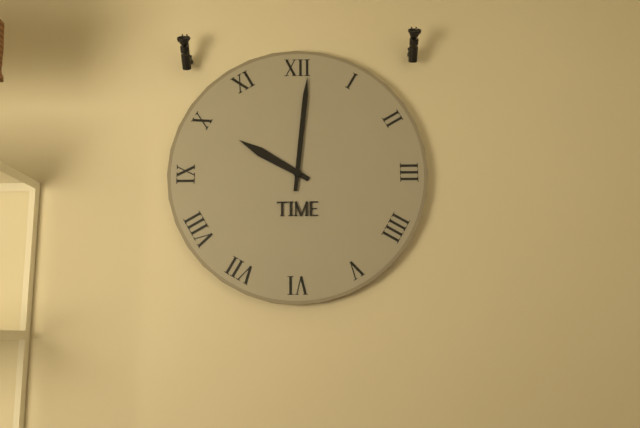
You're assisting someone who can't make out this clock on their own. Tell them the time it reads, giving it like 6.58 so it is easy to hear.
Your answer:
10.01
